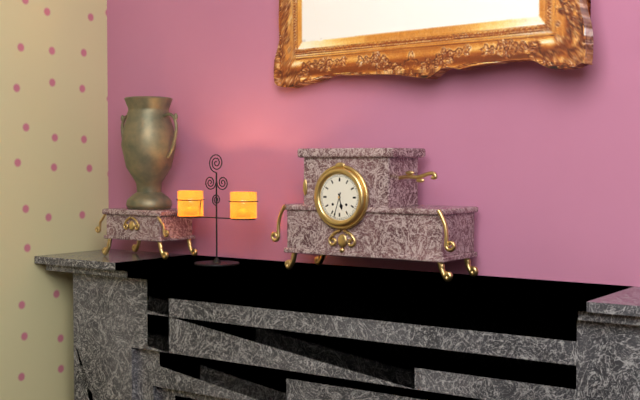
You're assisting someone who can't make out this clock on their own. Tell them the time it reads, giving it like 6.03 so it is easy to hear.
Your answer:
5.33
